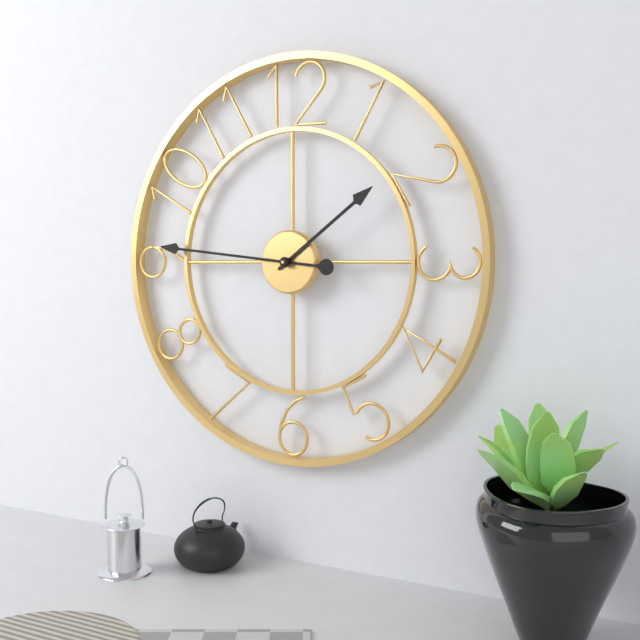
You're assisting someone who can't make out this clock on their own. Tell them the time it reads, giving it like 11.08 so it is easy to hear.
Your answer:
1.46
